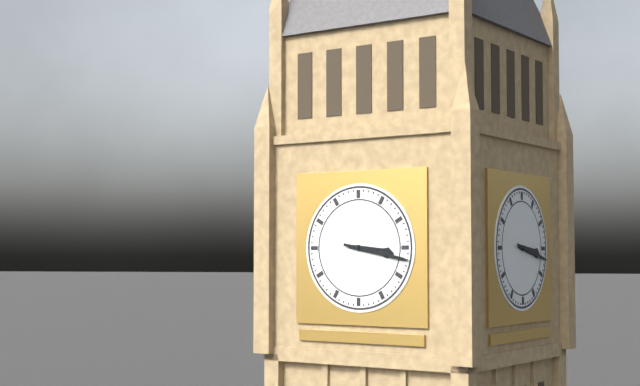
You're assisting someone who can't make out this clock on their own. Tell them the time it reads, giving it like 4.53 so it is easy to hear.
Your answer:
3.17
